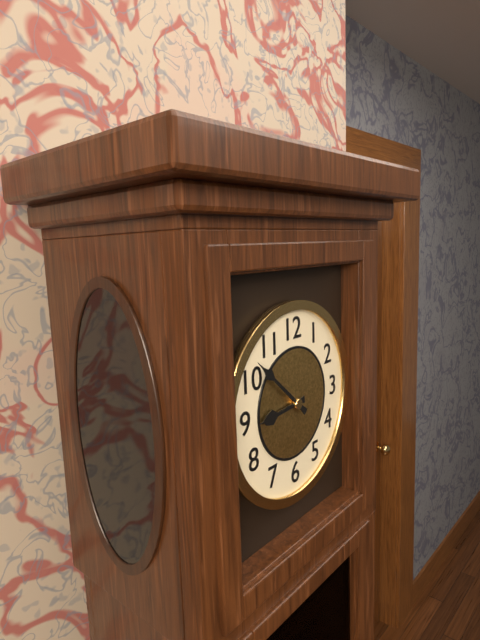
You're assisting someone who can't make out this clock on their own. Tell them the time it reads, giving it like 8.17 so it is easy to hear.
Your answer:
8.52
